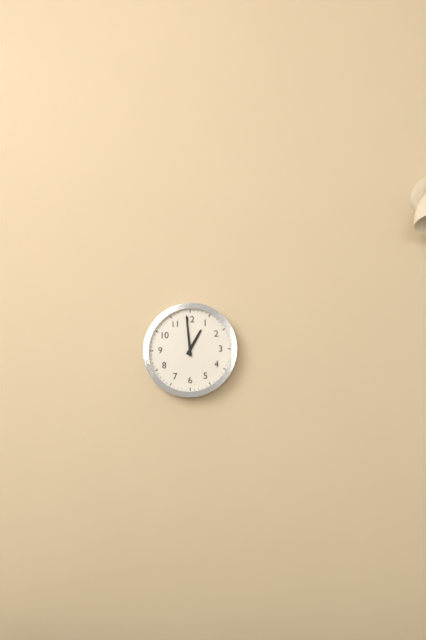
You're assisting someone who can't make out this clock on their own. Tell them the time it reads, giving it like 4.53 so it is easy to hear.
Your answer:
12.59
